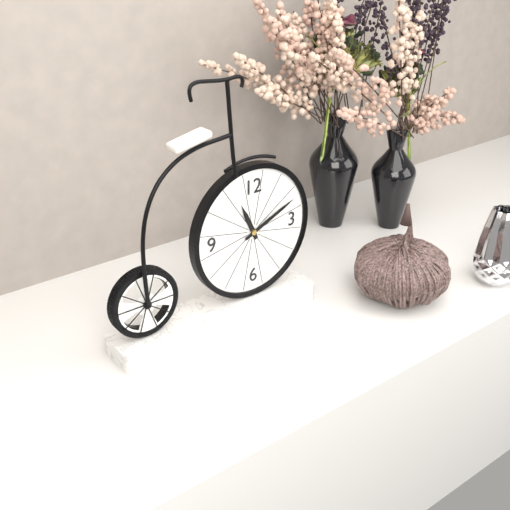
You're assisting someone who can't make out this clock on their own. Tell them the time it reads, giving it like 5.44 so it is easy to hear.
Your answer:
11.11
